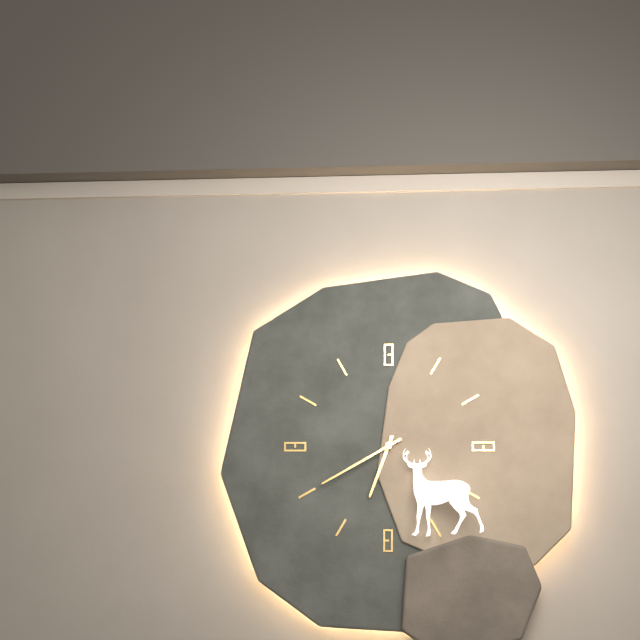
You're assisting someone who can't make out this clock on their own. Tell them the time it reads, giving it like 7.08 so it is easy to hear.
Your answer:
6.40
